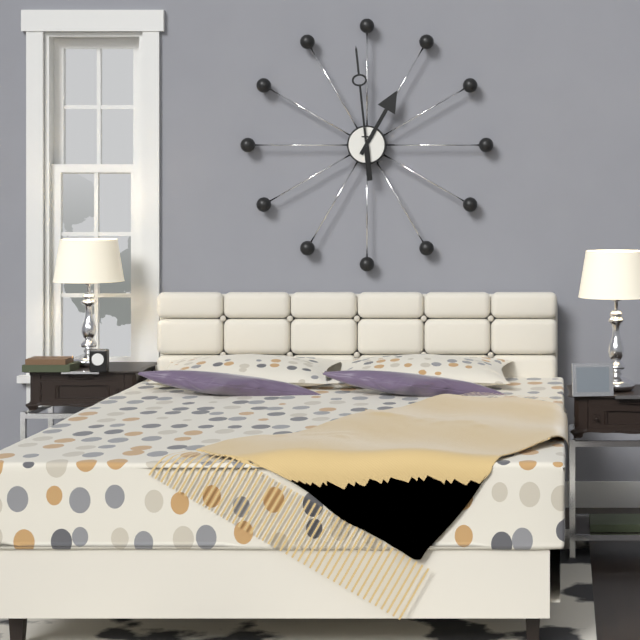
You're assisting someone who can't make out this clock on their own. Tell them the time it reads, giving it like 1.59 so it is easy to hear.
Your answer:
12.59
